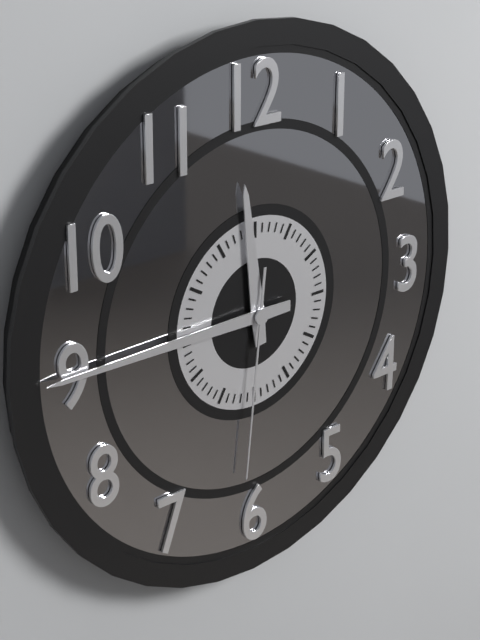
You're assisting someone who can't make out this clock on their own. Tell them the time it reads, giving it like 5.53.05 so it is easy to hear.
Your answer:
11.45.31
